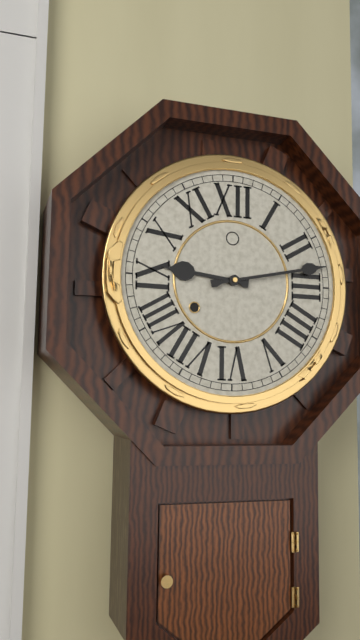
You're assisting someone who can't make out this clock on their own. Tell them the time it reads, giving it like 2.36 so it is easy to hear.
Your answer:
9.13
